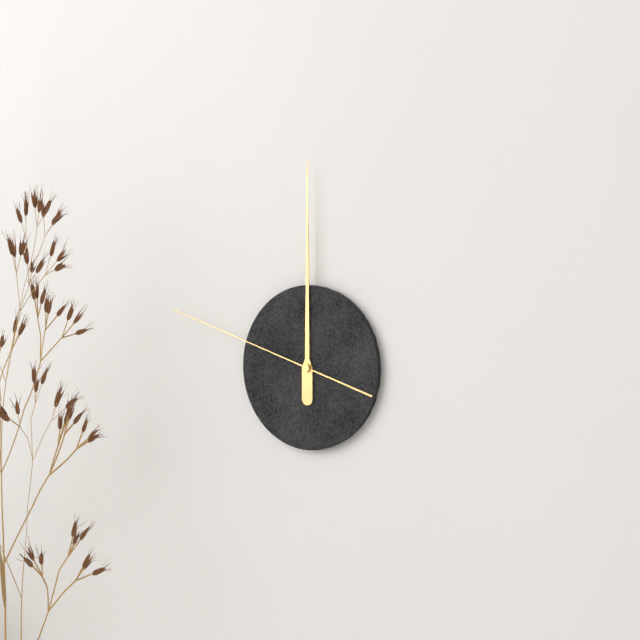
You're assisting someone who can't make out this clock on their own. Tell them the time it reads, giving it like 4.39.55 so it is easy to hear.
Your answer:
12.00.48
